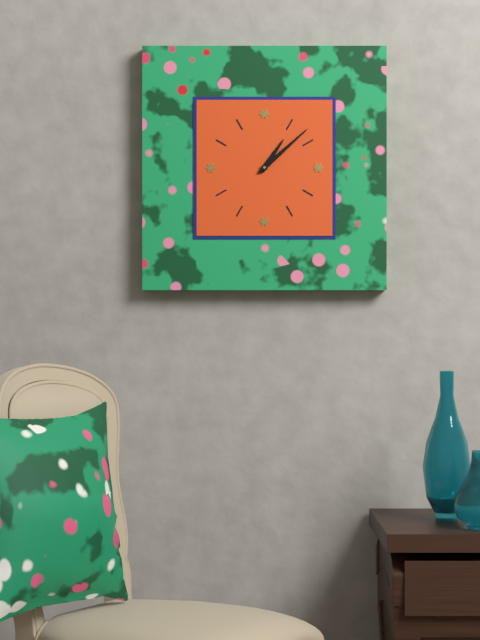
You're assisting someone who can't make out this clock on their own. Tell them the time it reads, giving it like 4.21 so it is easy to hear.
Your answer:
1.08
